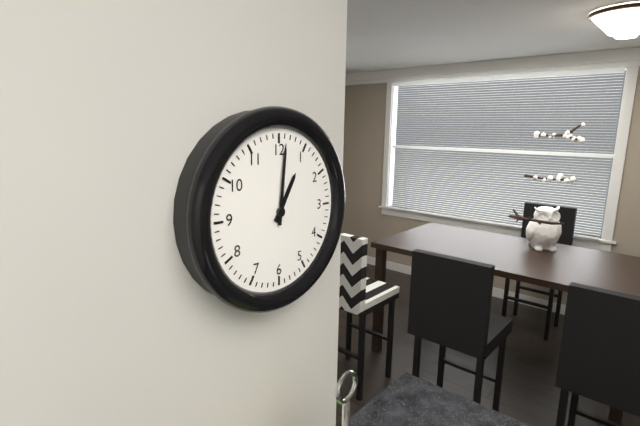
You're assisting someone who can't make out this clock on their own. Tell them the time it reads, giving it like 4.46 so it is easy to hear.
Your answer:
1.01
